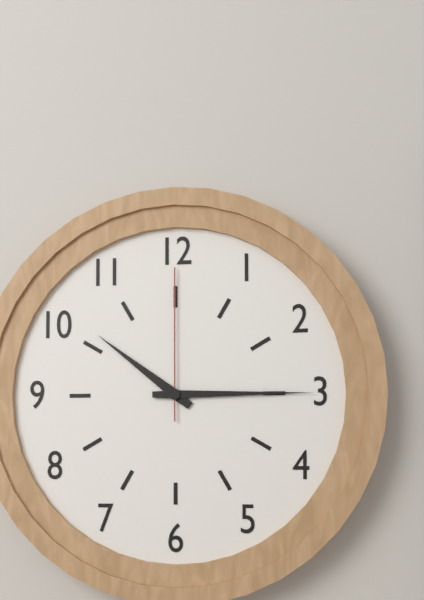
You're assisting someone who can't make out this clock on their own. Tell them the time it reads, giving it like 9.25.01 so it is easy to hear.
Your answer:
10.15.00
